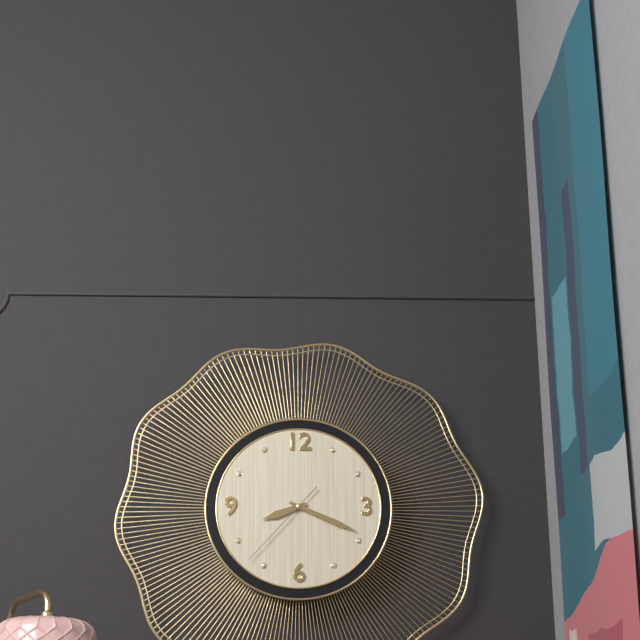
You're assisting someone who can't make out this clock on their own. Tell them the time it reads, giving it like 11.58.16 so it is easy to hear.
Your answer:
8.19.37
